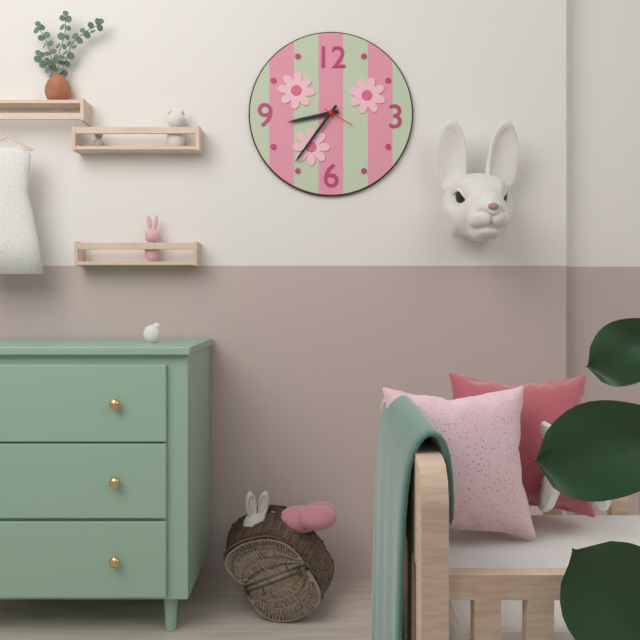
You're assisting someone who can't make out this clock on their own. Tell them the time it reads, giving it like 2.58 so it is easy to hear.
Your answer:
8.36
